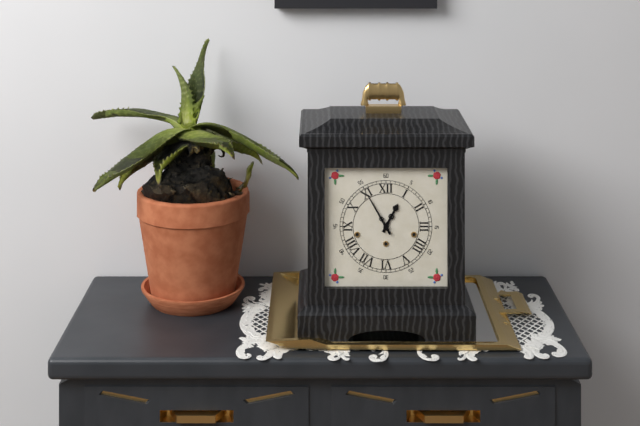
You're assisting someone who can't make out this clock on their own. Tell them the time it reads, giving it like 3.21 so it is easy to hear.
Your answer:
12.55
